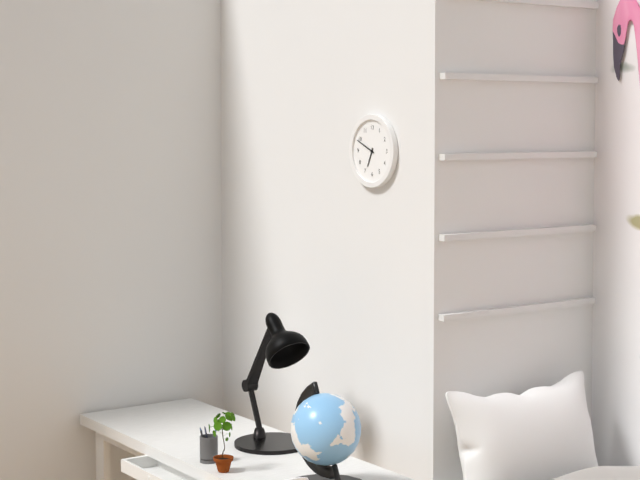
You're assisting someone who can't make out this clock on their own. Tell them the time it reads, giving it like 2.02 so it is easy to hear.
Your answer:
6.49
